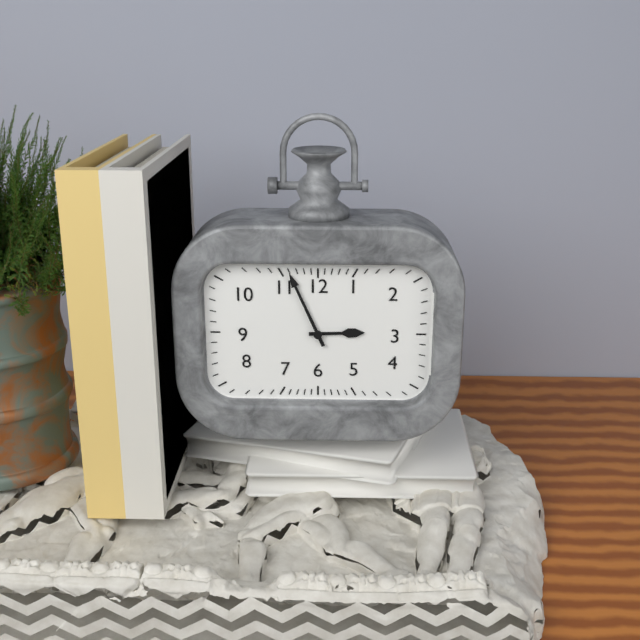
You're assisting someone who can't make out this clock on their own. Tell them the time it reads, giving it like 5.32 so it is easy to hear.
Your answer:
2.56
